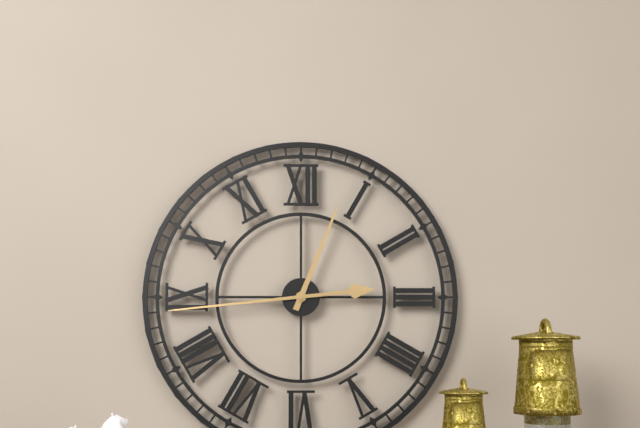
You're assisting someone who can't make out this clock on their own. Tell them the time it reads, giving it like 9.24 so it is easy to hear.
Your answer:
12.44
